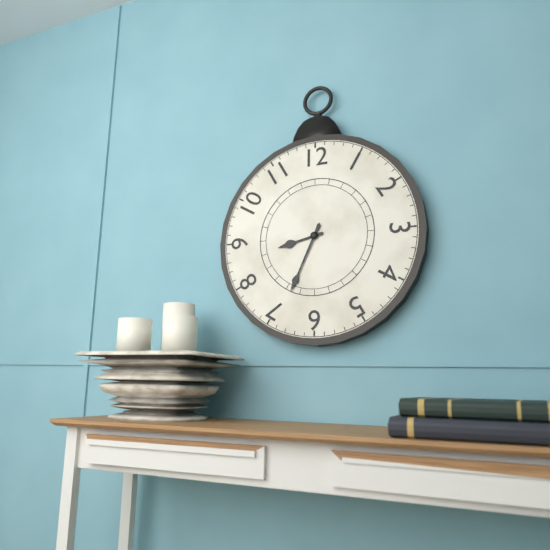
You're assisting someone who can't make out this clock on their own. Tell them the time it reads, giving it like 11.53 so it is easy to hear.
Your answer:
8.34
